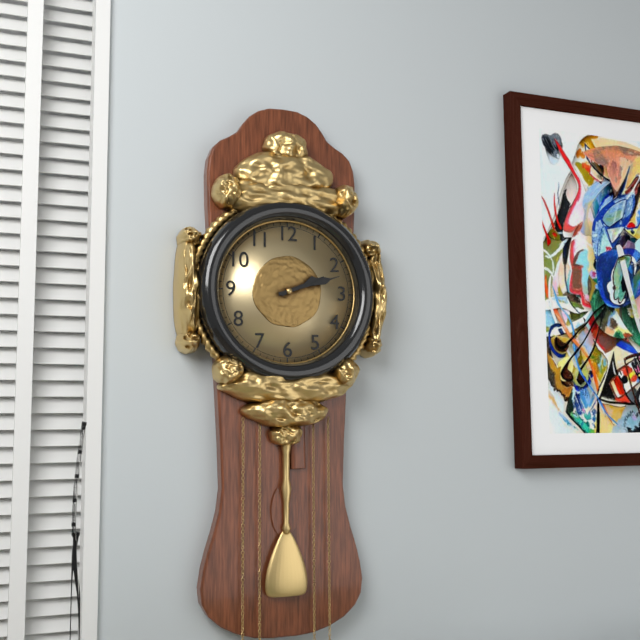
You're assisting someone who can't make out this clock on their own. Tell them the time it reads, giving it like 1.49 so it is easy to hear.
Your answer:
2.12
